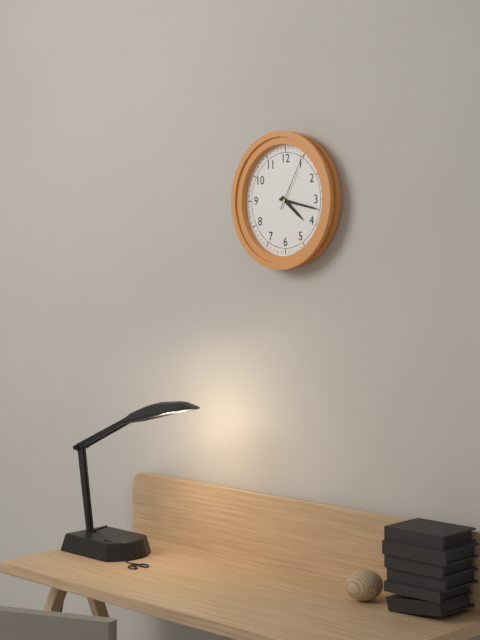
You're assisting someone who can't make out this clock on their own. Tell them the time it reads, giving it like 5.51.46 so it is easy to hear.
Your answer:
4.17.05
